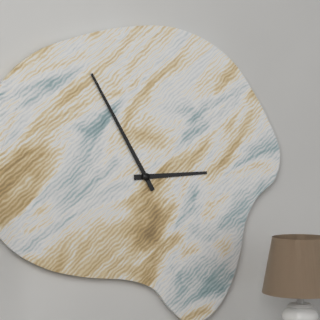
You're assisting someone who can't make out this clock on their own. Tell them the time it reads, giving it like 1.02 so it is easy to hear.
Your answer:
2.55
